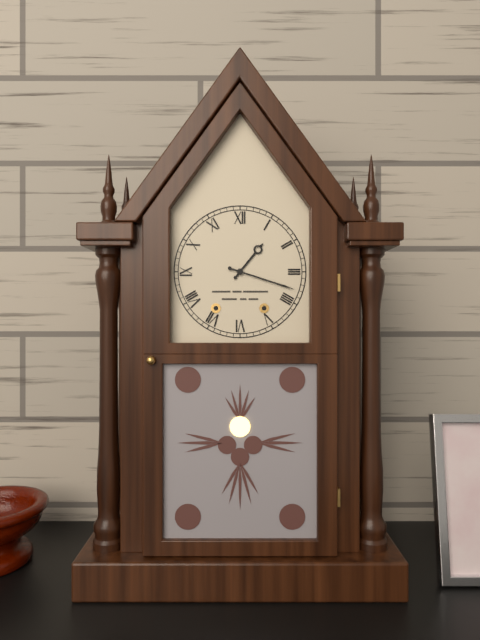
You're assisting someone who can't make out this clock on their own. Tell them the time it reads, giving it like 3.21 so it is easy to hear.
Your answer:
1.18
